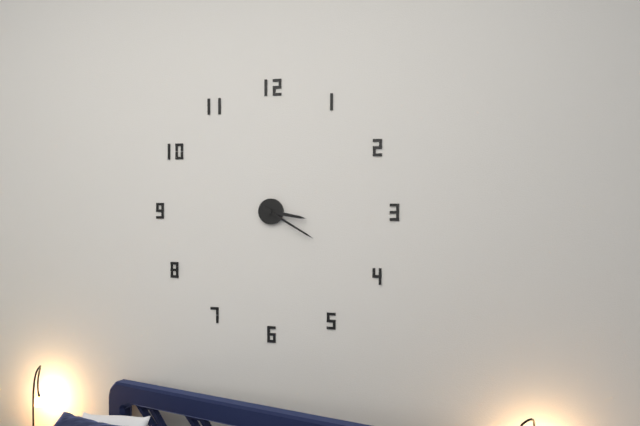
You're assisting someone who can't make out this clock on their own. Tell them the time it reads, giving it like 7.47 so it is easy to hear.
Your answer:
3.20
